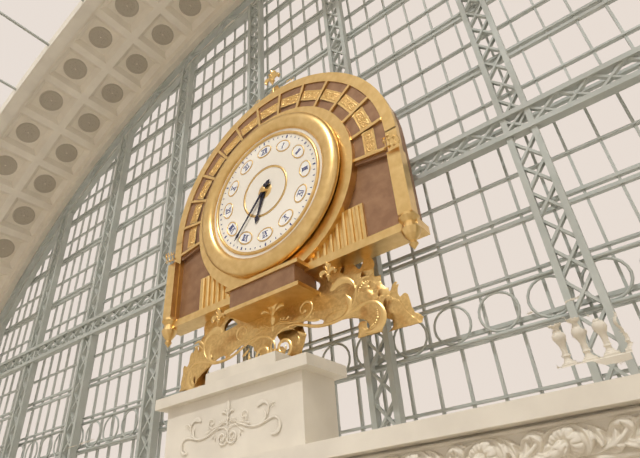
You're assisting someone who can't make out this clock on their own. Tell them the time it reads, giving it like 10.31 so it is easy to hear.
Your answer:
6.37
